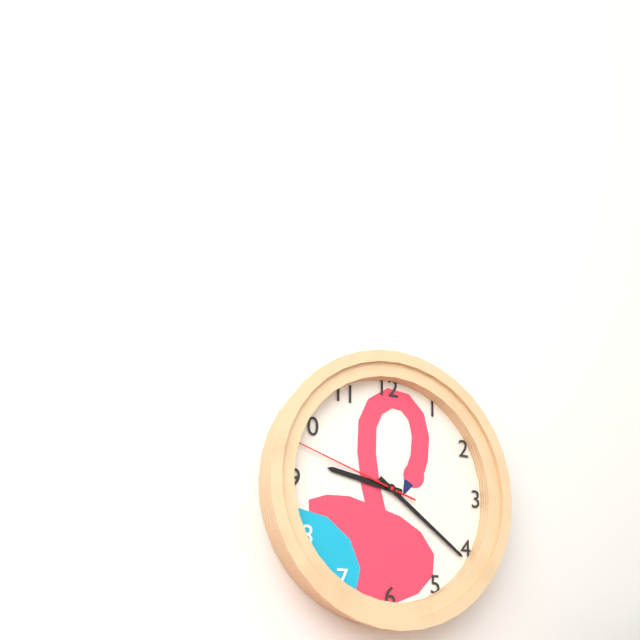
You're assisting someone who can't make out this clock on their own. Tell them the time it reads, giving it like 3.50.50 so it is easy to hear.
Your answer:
9.21.48
